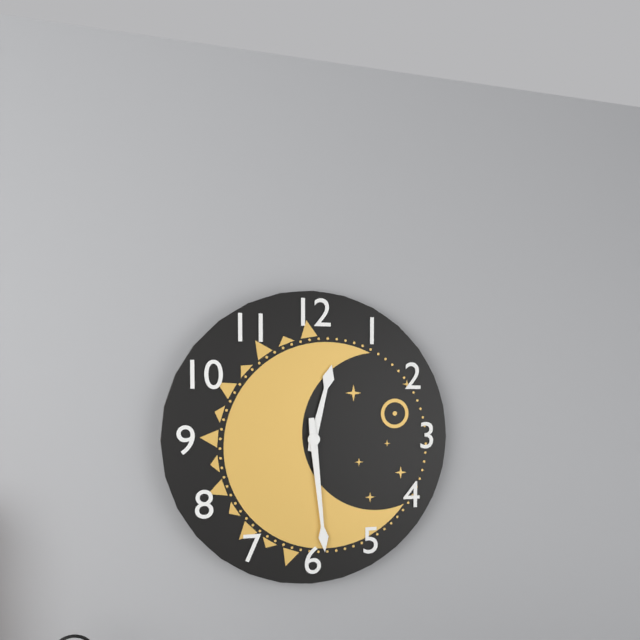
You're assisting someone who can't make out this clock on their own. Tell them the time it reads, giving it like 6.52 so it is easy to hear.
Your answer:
12.29
